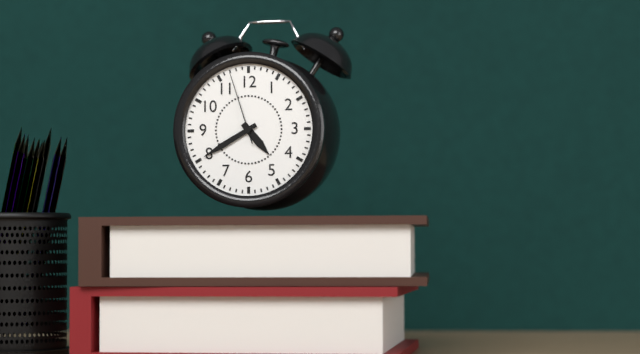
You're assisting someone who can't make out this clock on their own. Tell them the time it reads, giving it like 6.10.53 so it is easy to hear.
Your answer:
4.40.57
